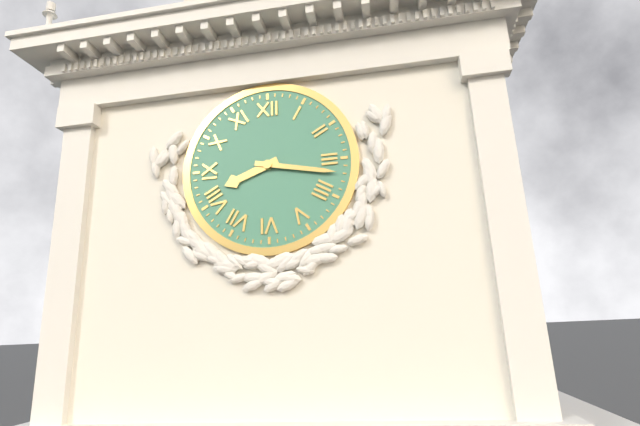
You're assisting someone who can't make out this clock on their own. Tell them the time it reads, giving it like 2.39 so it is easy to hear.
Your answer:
8.17
